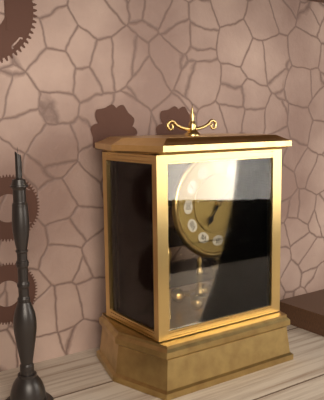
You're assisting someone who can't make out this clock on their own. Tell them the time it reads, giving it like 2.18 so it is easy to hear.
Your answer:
7.08
